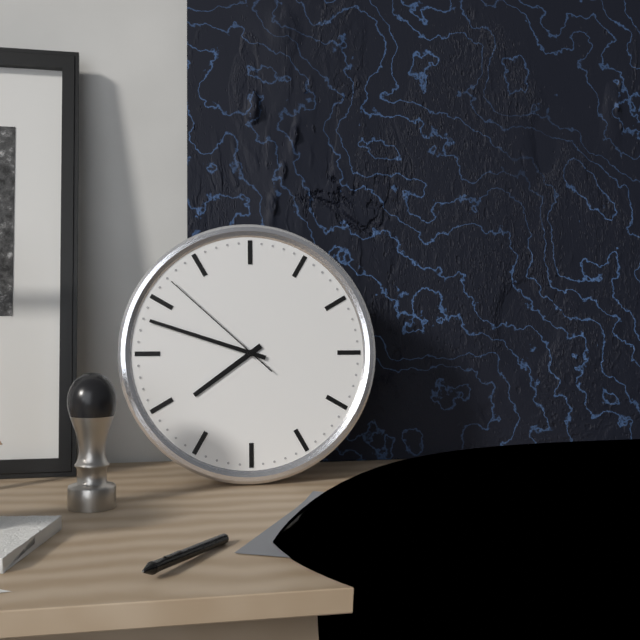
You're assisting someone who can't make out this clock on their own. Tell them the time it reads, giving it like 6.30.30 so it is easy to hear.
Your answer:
7.48.52
